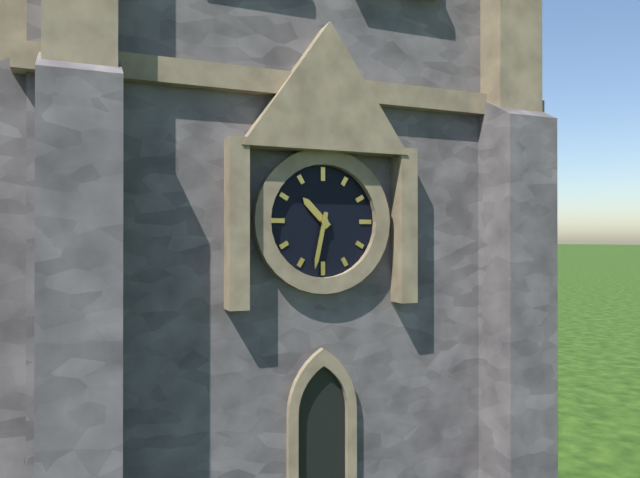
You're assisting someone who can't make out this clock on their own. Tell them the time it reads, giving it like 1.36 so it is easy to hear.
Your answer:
10.32
